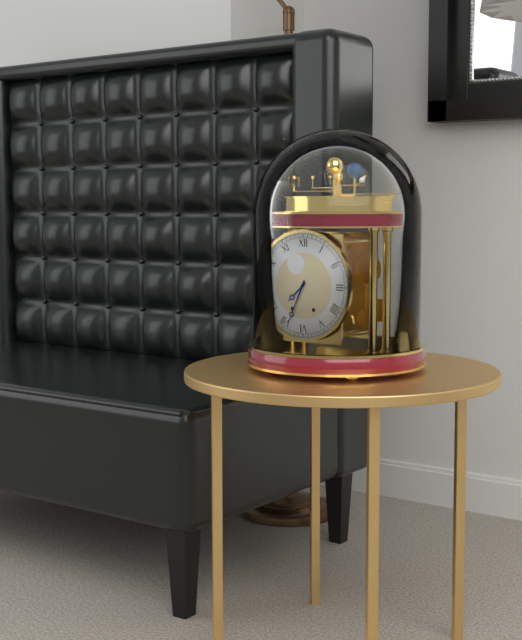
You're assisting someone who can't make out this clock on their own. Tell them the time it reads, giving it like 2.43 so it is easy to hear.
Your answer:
7.34
